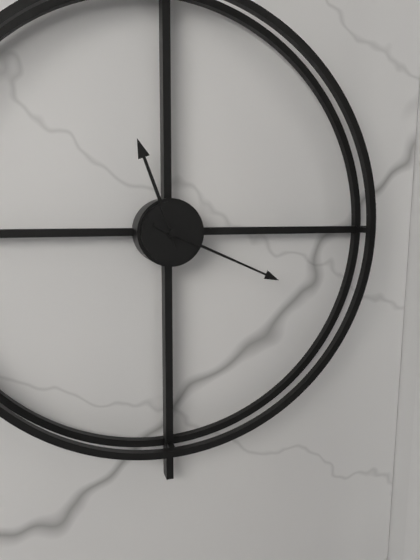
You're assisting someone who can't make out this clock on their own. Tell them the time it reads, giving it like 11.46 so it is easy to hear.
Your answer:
11.19
